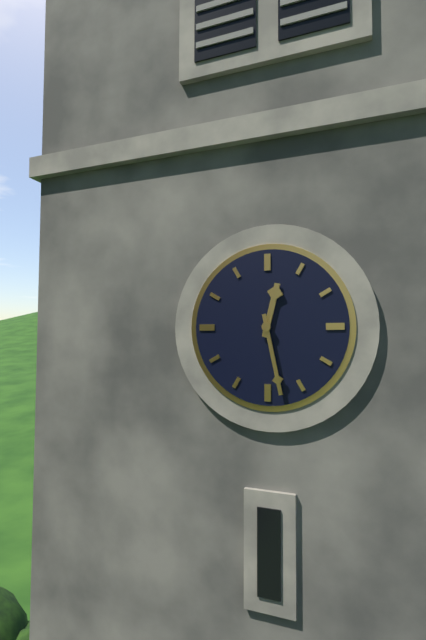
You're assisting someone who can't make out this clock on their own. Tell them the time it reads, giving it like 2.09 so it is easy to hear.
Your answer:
12.28
